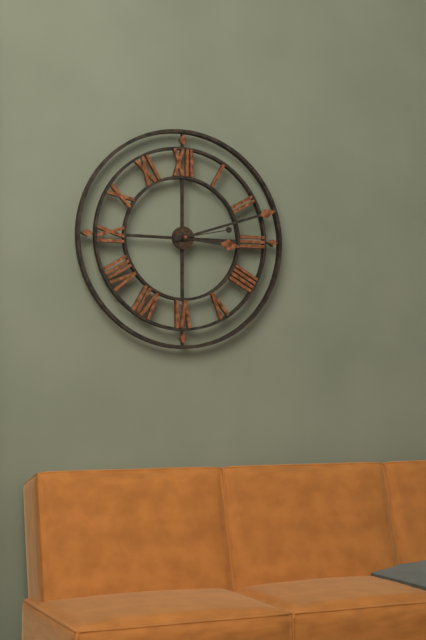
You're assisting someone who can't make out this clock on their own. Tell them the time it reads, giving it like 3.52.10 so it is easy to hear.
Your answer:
3.12.13
